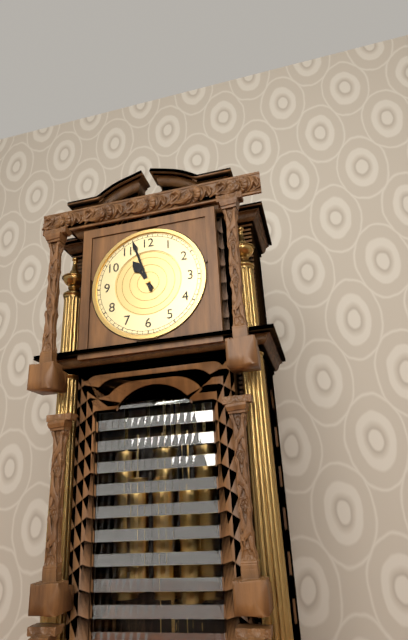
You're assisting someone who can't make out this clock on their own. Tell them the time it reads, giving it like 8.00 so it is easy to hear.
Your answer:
10.57
